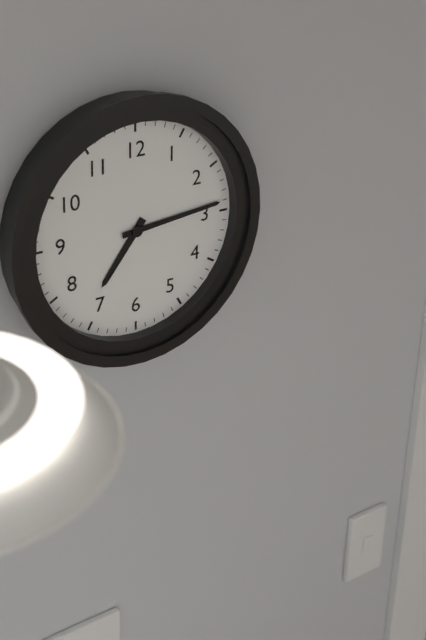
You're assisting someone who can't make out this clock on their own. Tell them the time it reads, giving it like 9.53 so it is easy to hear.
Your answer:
7.14
